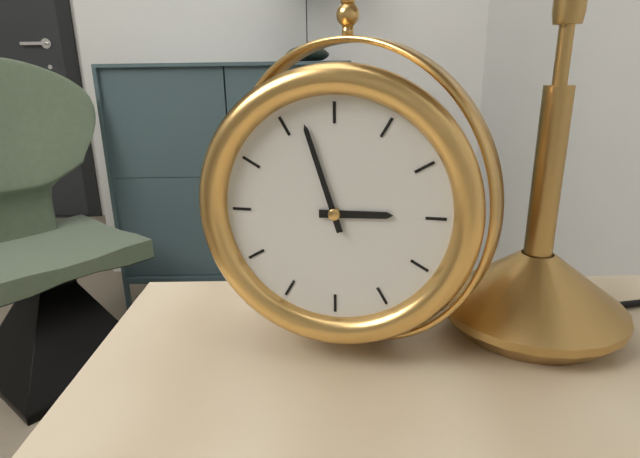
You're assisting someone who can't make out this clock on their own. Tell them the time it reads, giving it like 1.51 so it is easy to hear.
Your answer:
2.57
